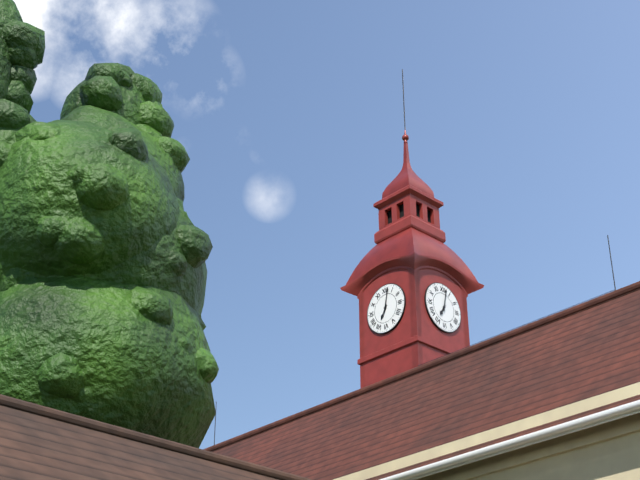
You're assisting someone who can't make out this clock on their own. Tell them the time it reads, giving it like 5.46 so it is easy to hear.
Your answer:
7.02
